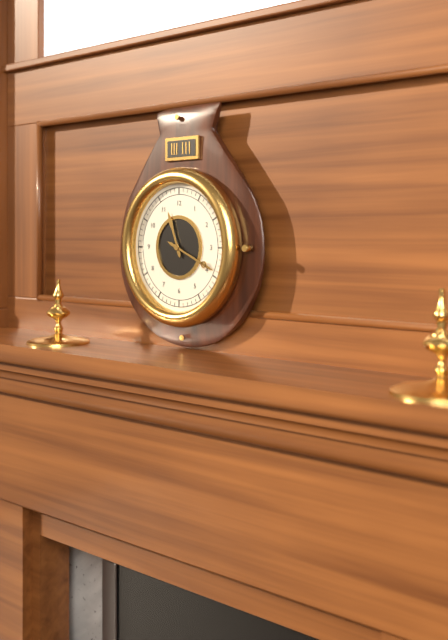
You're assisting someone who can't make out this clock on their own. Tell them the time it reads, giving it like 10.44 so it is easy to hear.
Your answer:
11.19
